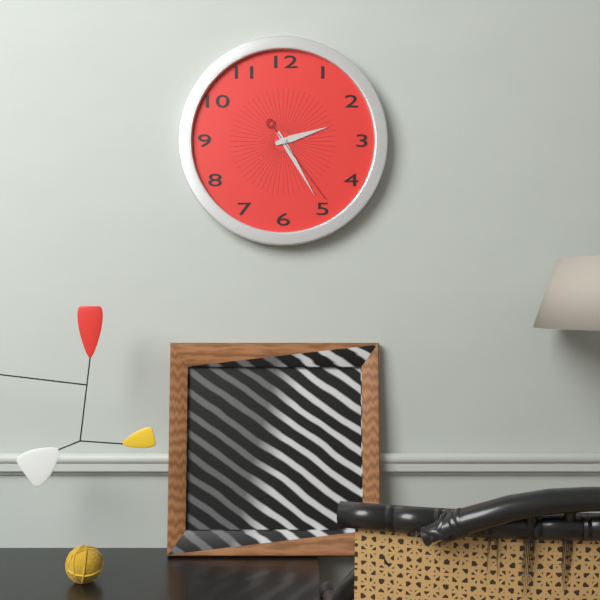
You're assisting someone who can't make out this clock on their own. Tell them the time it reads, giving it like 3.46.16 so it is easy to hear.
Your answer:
2.25.24
